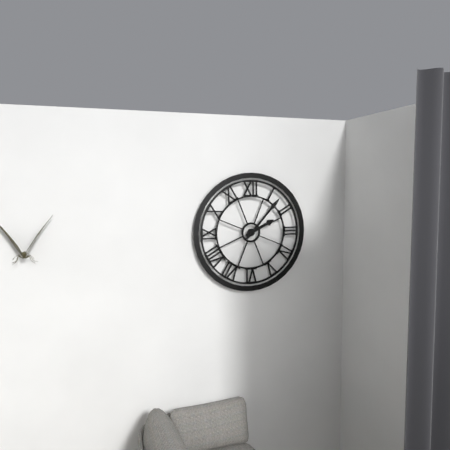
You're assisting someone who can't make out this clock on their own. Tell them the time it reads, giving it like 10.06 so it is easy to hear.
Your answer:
2.07
